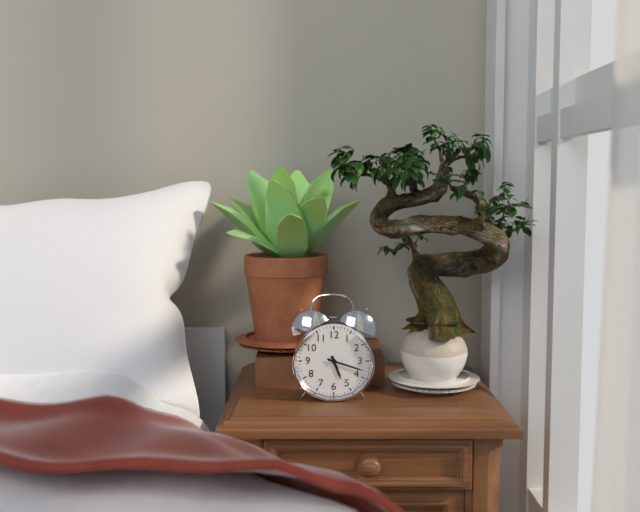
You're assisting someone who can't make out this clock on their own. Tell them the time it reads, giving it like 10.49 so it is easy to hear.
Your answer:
5.18
